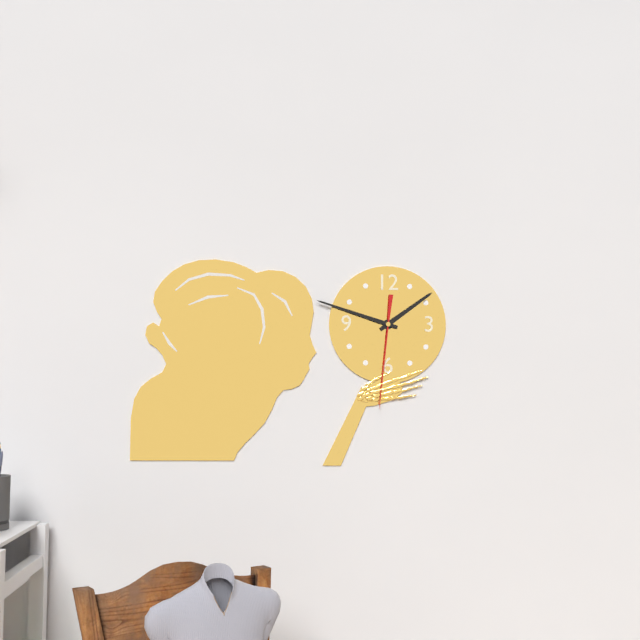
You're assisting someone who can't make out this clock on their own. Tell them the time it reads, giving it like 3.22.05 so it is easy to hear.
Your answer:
1.48.31
